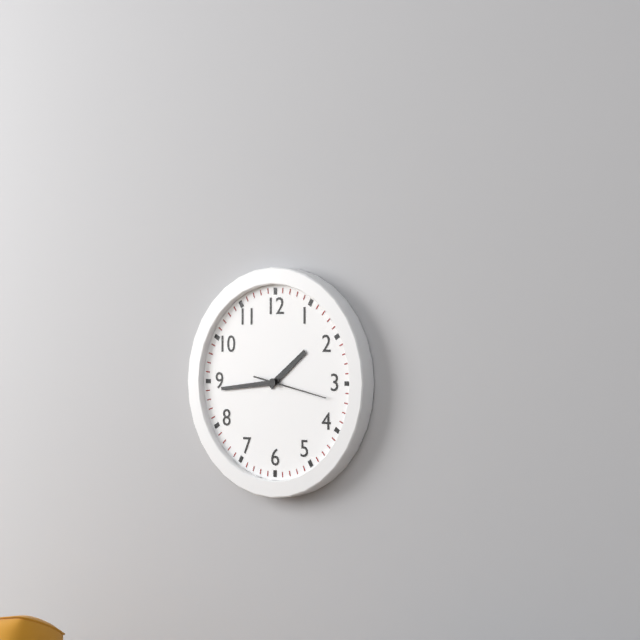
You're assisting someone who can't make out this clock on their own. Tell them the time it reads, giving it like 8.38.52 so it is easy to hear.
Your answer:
1.44.17
